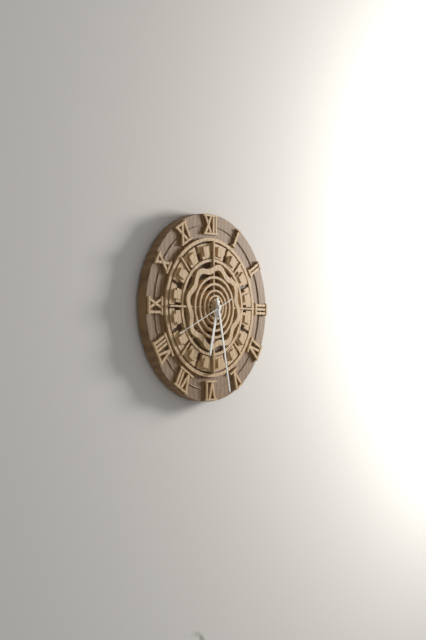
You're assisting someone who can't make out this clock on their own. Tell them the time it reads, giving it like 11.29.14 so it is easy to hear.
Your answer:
6.28.41
